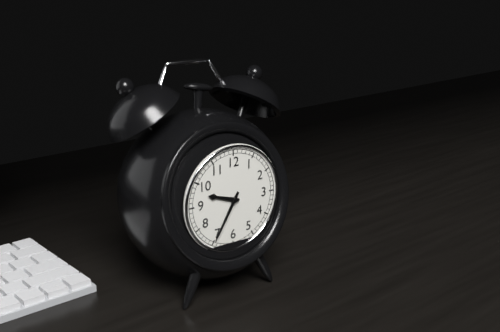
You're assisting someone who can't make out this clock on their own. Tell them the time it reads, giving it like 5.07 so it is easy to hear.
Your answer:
9.35
